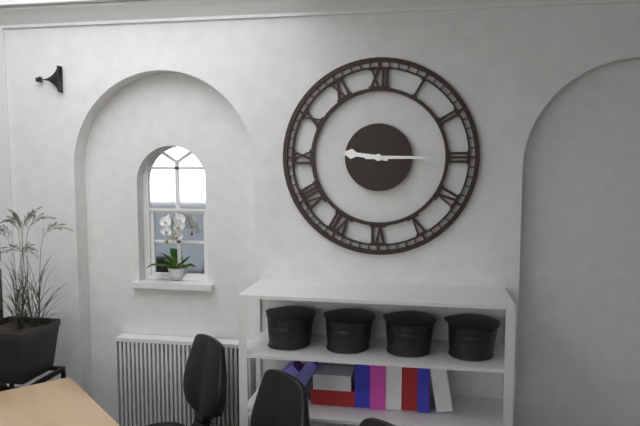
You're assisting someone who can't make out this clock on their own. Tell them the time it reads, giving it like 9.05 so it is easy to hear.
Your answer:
9.15
